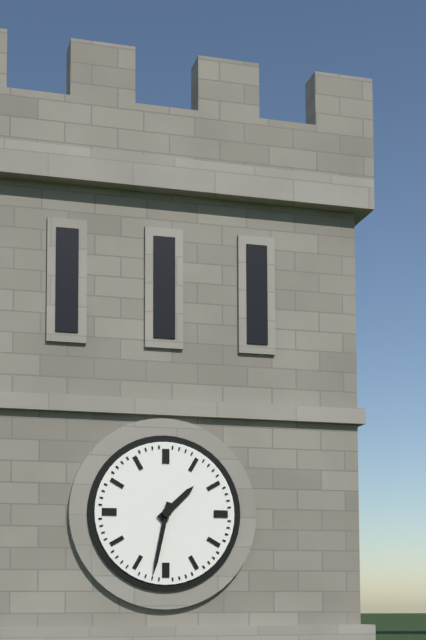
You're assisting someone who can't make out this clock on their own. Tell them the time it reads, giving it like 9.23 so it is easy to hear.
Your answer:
1.32
